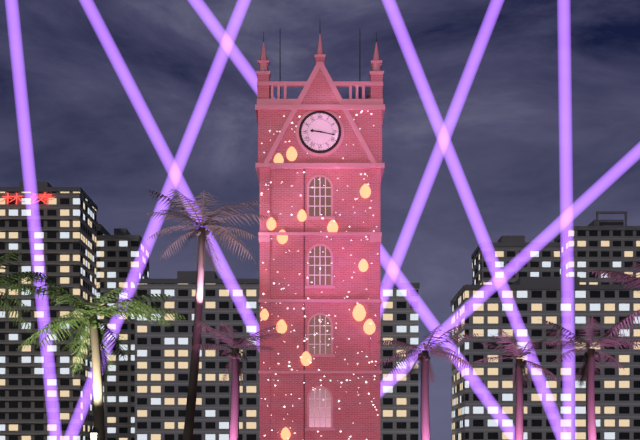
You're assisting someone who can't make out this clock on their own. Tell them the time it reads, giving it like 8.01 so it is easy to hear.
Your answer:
9.17
